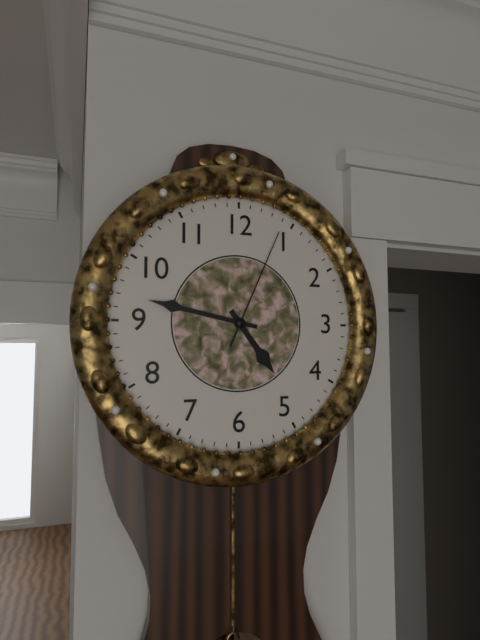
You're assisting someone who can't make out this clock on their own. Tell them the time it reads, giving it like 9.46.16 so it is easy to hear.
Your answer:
4.47.04
